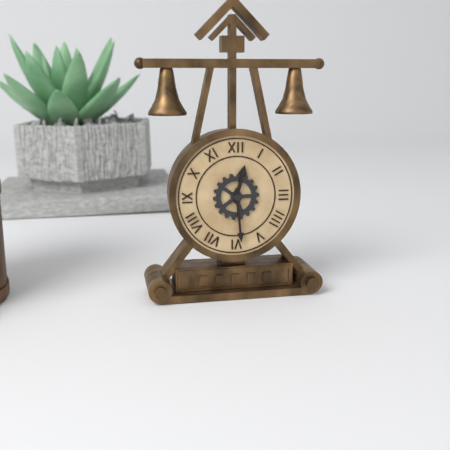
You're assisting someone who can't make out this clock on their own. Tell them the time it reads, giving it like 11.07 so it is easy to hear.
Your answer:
12.29
